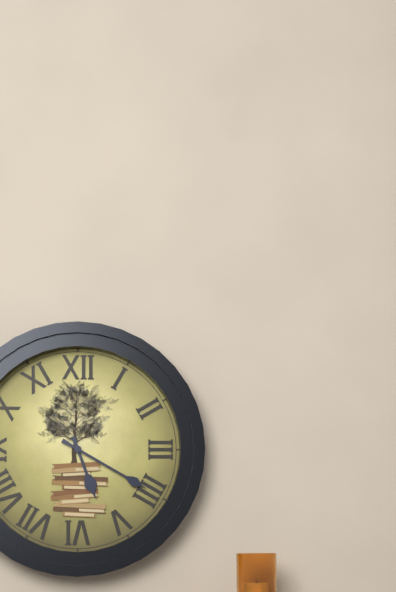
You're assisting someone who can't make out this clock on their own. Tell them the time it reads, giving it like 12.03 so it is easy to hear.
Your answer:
5.20
